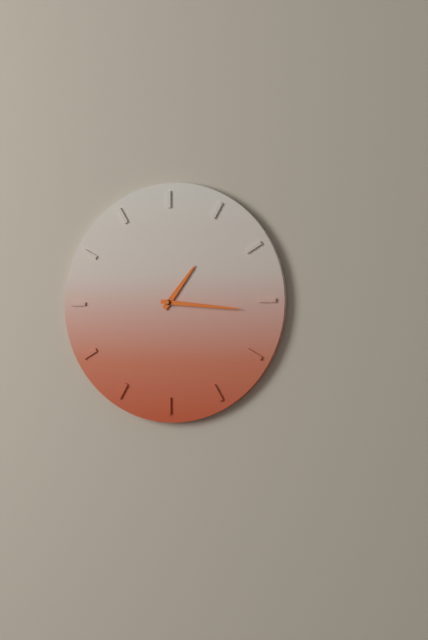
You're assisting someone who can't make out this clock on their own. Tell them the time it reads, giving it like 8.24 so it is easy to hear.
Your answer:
1.16
